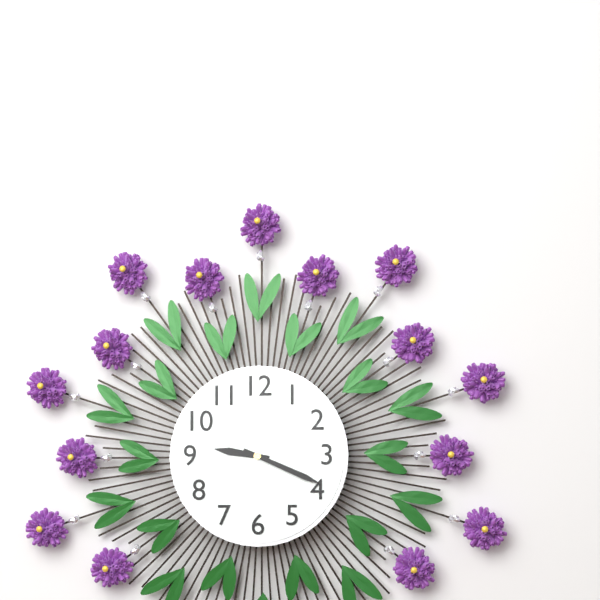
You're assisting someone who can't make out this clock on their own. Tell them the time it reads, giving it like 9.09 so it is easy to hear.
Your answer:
9.19
